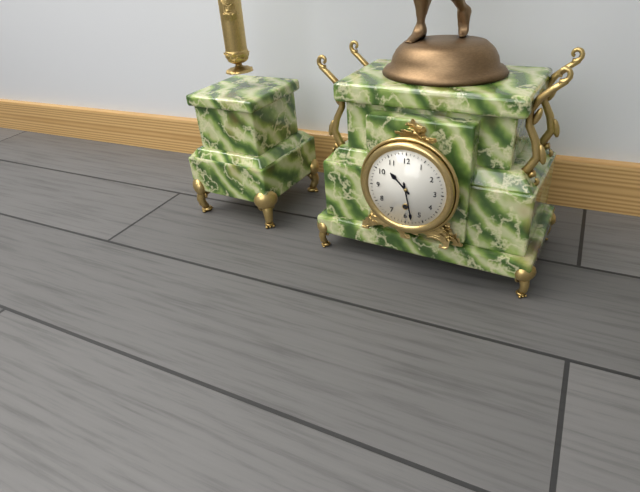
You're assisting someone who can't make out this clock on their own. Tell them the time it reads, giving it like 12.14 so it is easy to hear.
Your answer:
10.28
